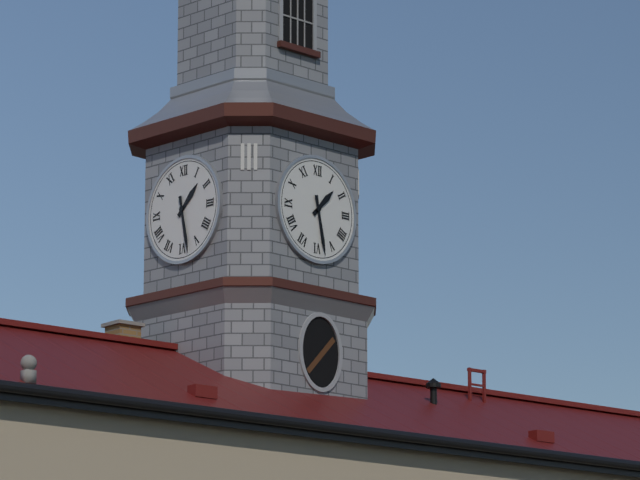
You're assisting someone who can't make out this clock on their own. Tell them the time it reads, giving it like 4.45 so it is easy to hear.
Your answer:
1.28
